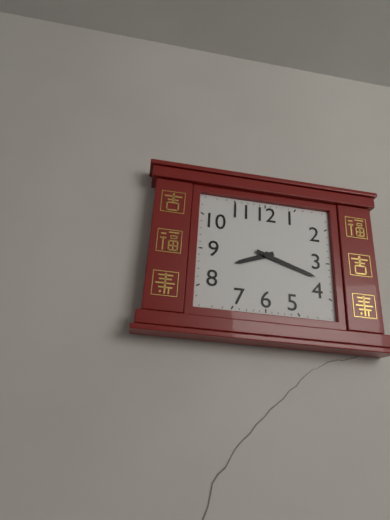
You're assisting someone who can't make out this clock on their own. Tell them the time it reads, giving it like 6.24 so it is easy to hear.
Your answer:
8.18
